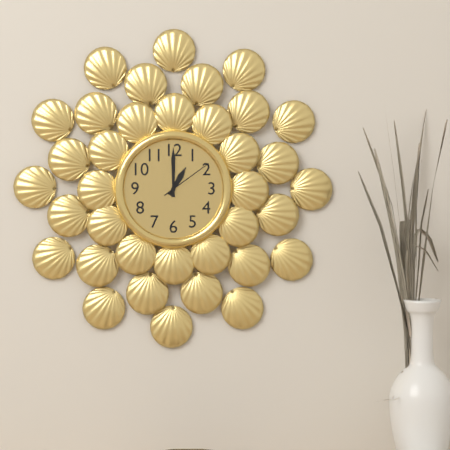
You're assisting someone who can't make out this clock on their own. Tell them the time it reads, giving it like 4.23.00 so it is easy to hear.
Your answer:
1.00.09
